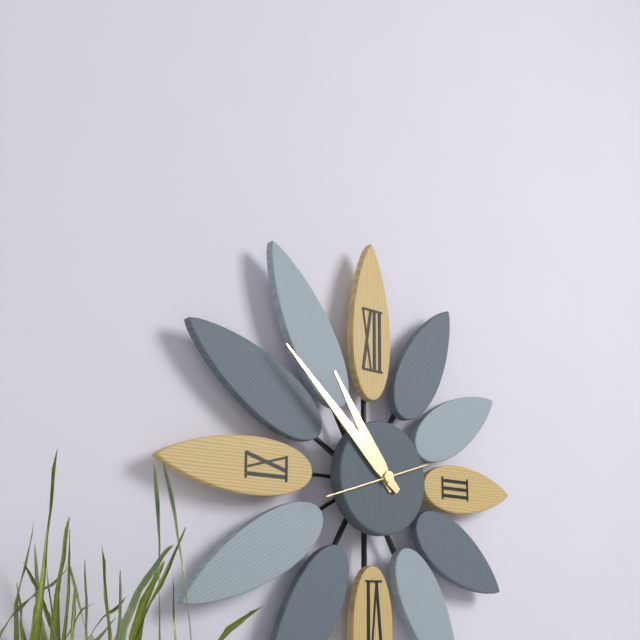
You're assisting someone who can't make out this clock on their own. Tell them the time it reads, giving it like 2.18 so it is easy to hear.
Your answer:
10.52
